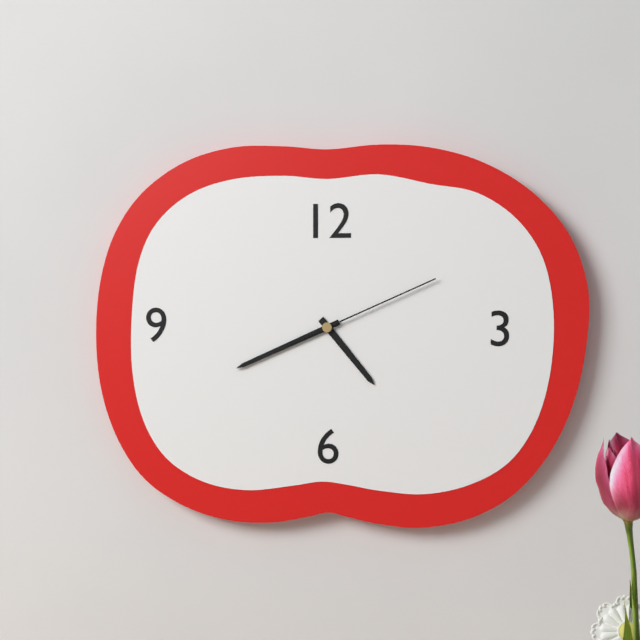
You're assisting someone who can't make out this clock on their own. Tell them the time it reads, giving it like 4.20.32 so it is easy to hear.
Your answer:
4.41.11
